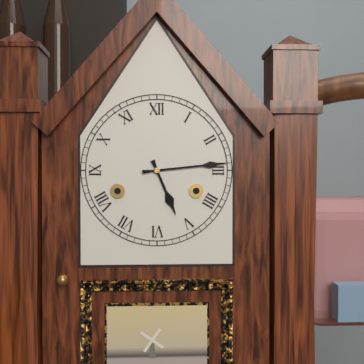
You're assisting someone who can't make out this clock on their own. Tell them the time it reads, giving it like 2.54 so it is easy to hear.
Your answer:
5.14
